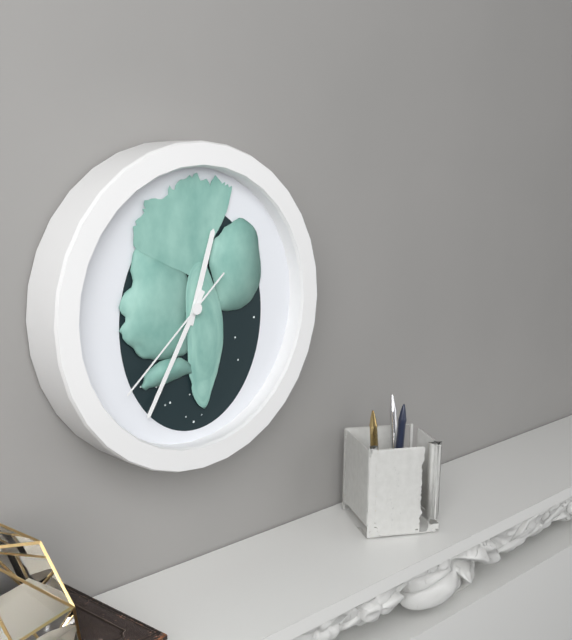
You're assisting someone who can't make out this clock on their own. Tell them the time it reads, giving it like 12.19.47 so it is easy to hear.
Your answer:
12.35.38
